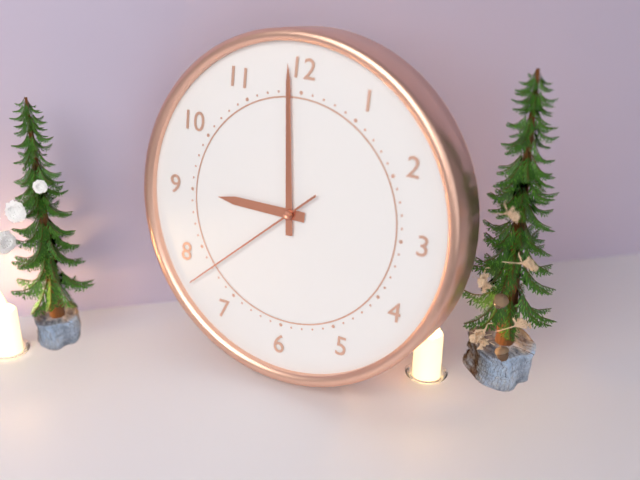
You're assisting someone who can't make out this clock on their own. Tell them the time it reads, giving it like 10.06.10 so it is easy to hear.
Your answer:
8.59.38
